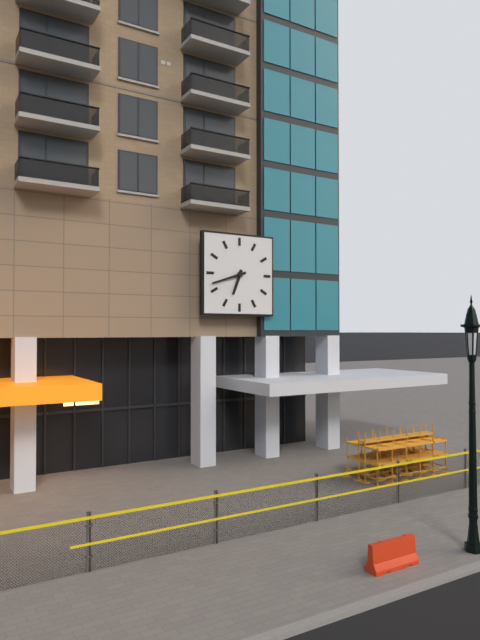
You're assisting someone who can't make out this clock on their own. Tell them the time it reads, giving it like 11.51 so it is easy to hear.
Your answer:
6.42
